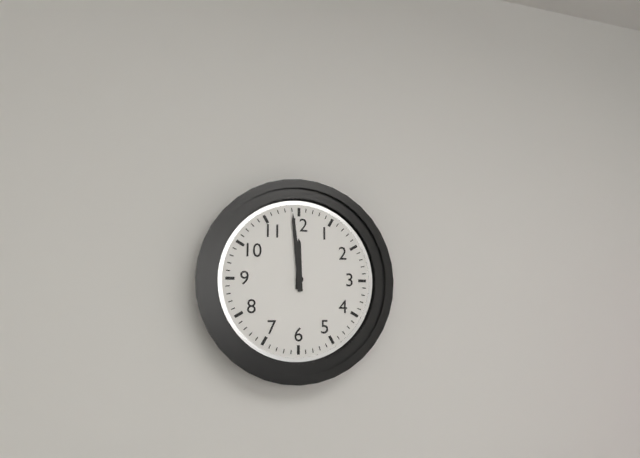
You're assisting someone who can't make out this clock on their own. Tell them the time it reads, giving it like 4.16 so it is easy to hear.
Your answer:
11.59
